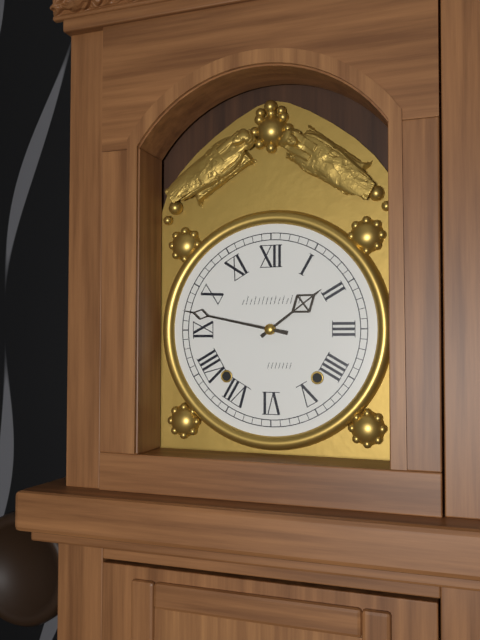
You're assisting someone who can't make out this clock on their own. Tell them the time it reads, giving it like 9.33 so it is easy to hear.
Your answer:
1.47
